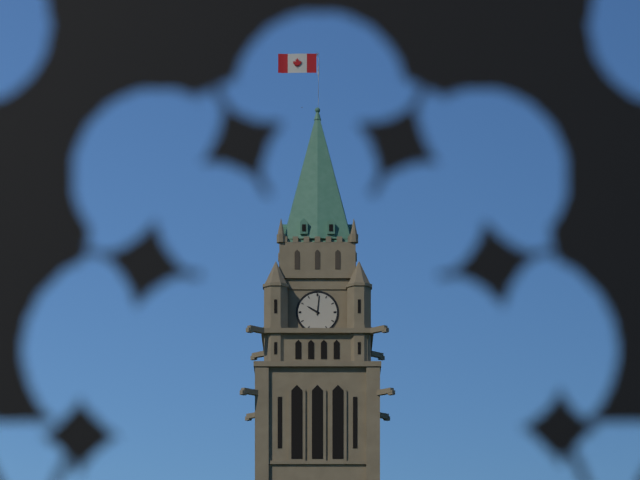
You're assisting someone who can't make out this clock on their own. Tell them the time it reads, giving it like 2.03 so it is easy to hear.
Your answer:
10.01
